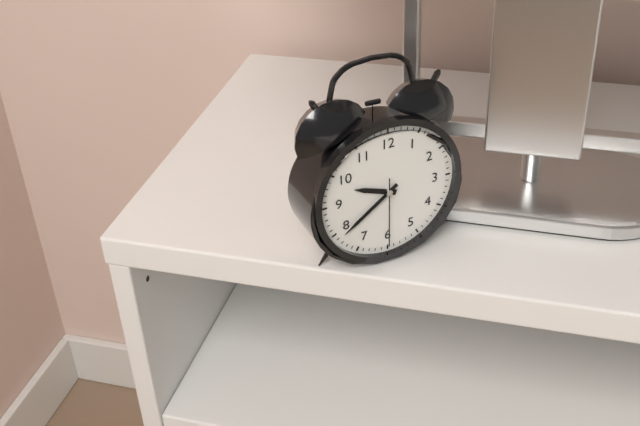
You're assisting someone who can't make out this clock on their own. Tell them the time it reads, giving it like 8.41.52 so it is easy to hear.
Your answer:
9.39.30
